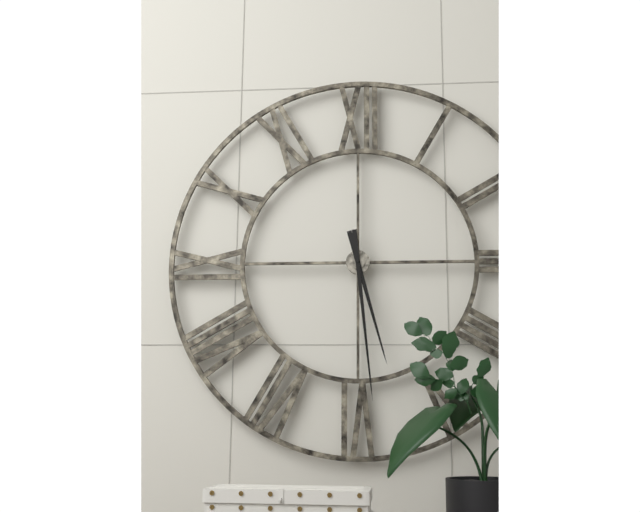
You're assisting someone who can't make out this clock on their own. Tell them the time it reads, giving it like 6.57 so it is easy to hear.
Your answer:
5.29
